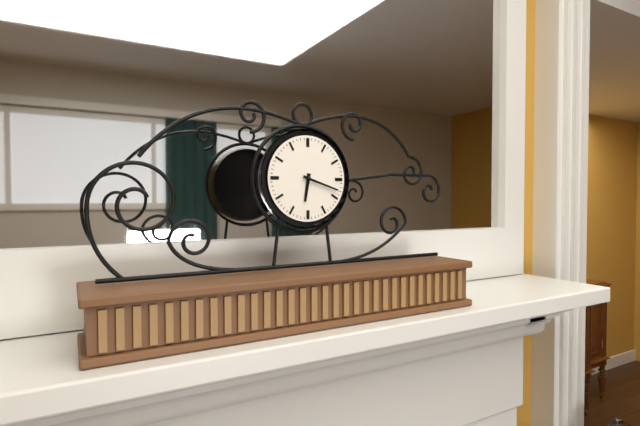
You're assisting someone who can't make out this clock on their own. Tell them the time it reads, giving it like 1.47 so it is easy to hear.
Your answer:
6.18
